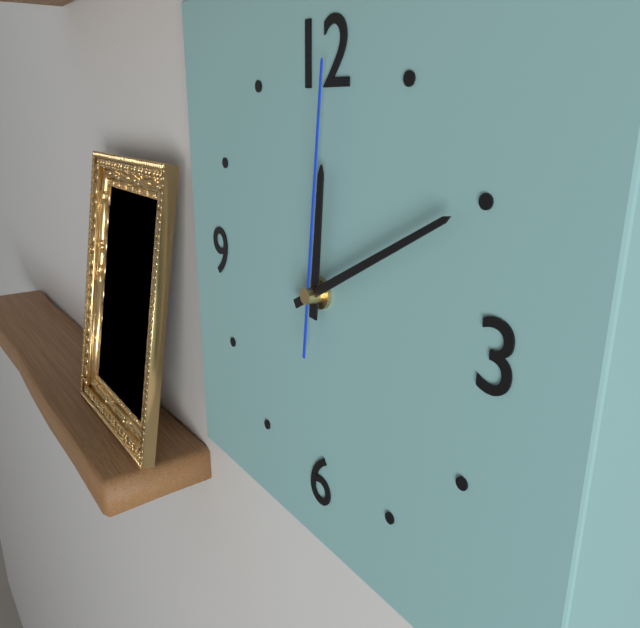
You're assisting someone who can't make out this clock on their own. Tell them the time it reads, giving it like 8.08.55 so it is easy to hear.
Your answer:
12.10.01
